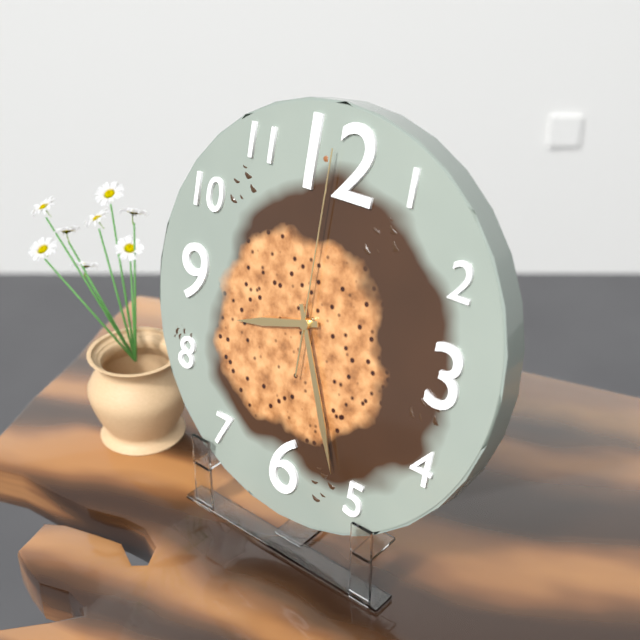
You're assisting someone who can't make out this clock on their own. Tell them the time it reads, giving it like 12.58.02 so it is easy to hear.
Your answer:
8.26.00
